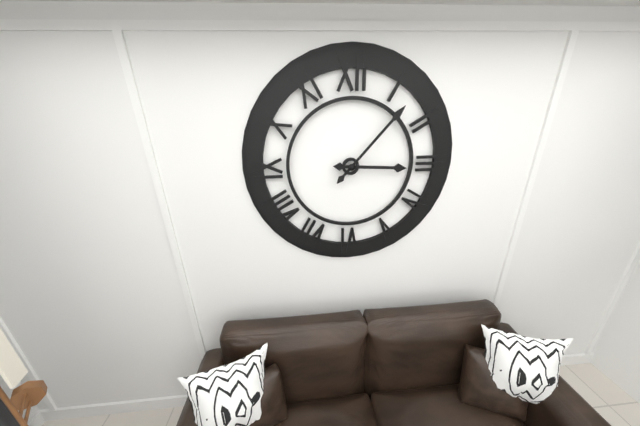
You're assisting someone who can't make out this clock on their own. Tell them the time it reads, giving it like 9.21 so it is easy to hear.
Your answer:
3.07
